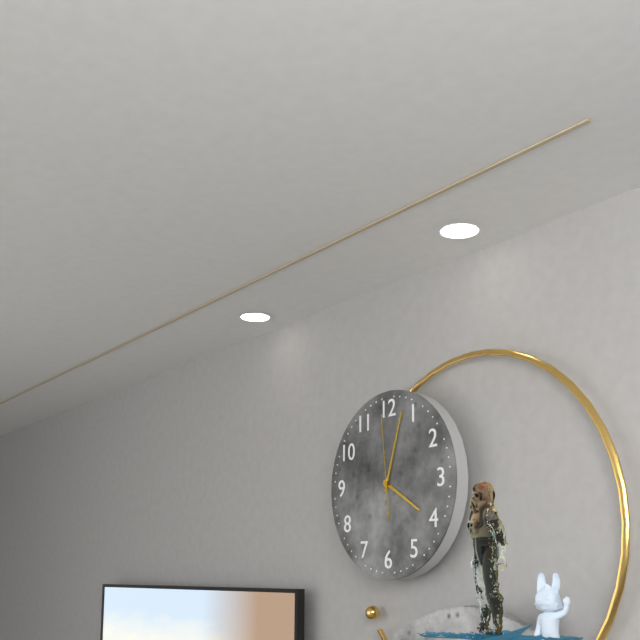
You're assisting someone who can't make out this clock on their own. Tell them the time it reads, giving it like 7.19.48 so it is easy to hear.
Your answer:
4.03.59
